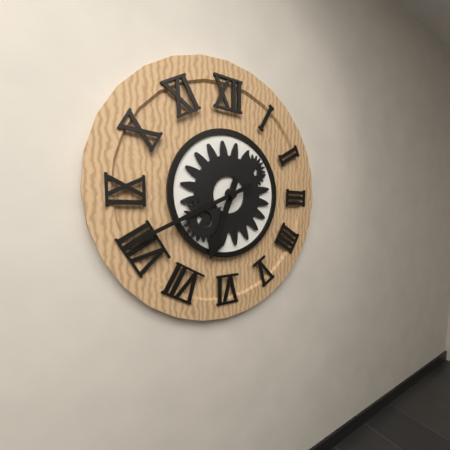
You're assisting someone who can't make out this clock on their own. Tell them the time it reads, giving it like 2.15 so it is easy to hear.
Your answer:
6.41
